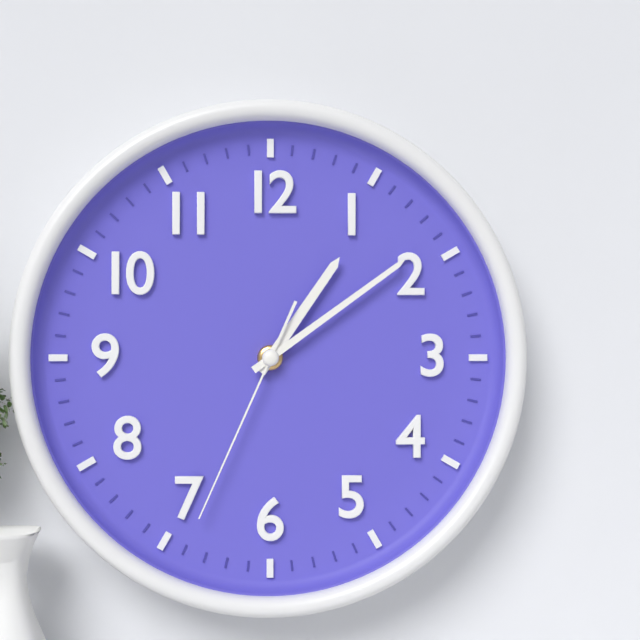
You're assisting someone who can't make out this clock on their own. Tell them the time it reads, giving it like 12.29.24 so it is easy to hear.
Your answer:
1.09.34
